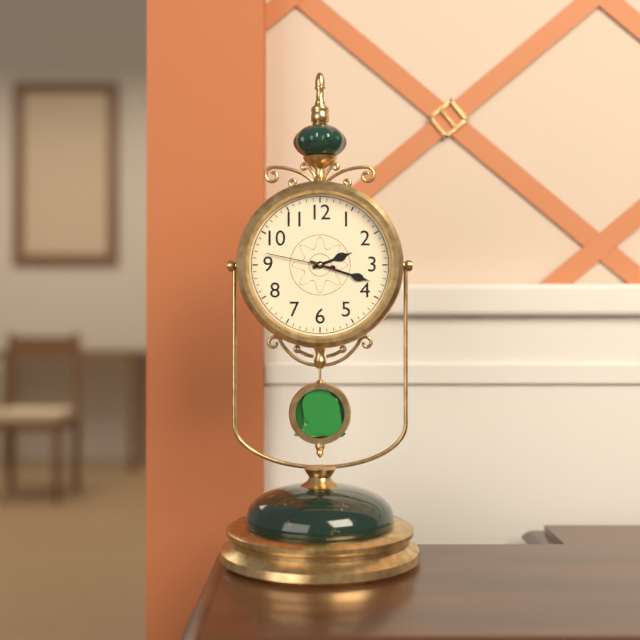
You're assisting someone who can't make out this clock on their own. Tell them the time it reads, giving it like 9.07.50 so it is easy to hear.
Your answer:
2.18.47
